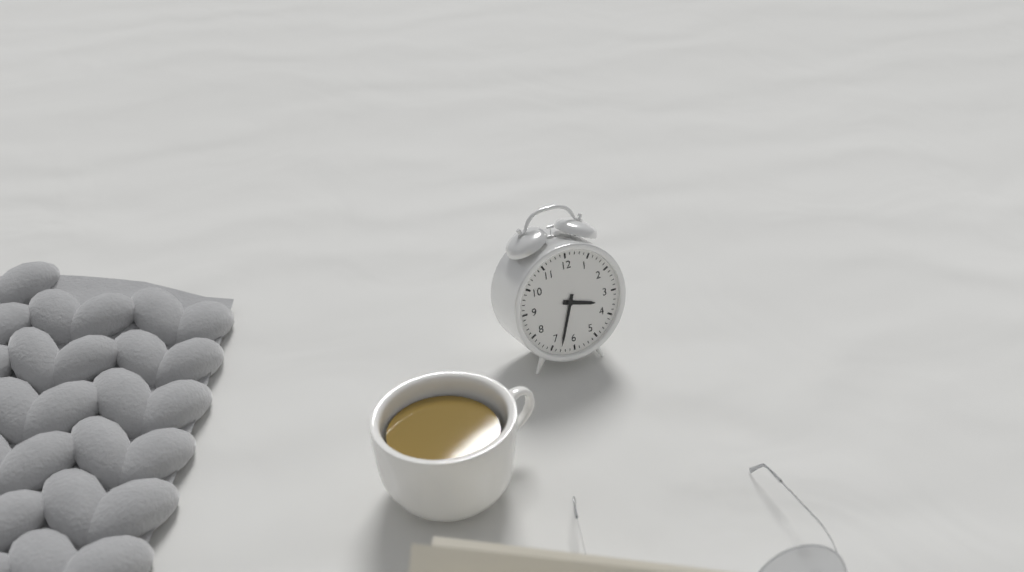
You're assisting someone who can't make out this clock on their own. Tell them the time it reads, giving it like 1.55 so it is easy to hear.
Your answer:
3.33
